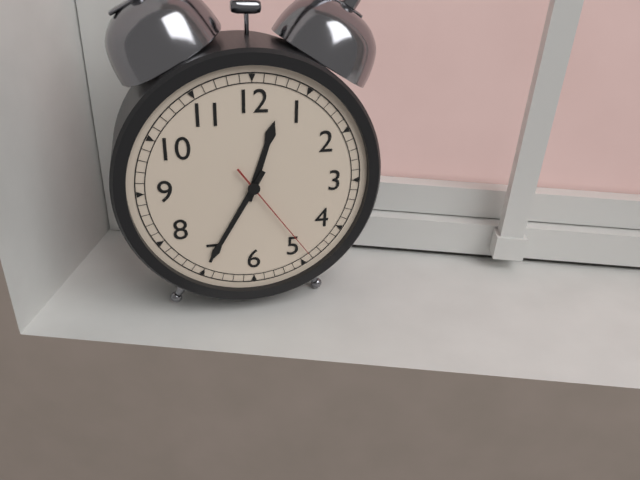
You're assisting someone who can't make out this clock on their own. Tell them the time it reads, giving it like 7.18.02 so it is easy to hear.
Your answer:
12.35.24
